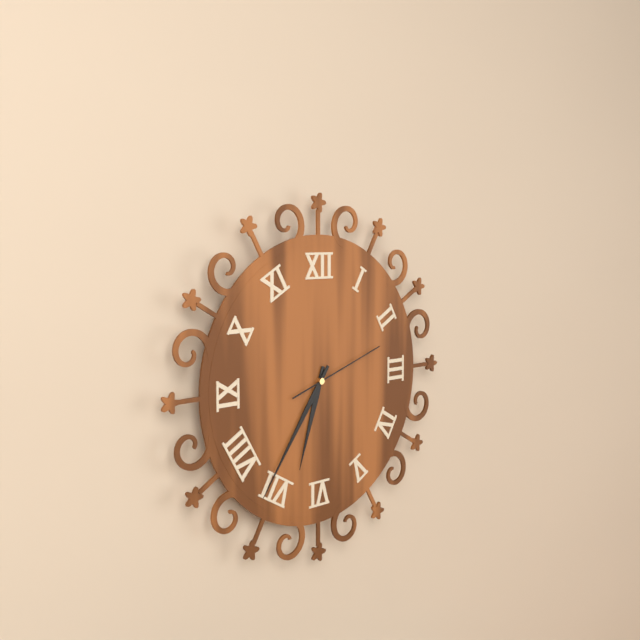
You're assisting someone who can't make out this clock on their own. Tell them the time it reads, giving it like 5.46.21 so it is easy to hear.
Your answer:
6.36.12
